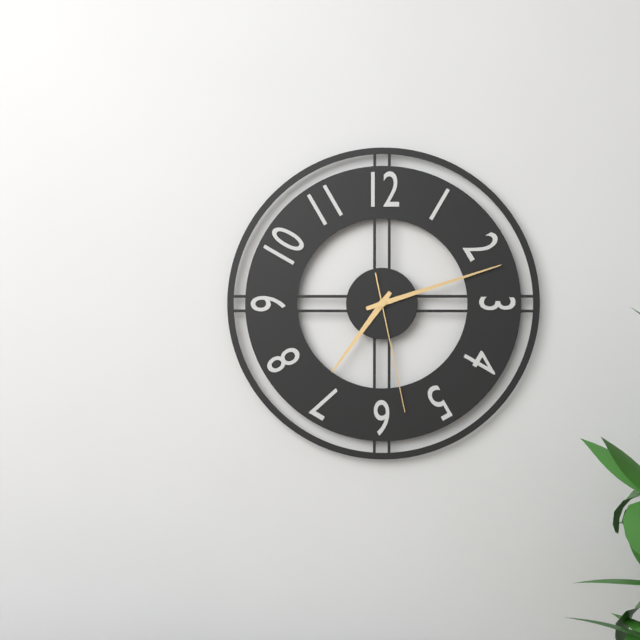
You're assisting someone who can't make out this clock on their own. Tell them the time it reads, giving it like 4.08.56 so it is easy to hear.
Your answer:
7.12.28
